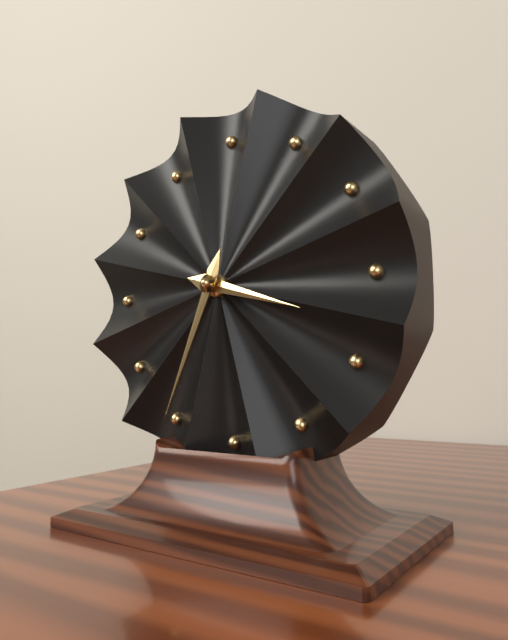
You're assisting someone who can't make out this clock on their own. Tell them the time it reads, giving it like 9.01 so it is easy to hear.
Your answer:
3.34
